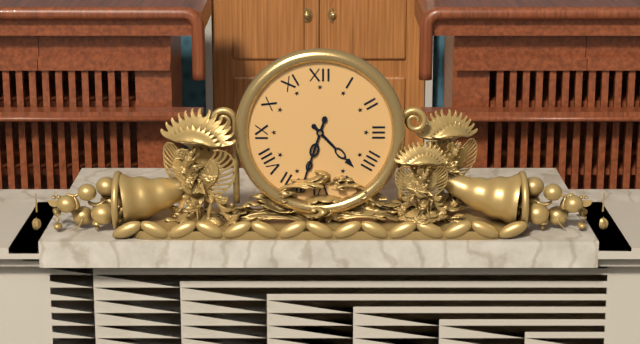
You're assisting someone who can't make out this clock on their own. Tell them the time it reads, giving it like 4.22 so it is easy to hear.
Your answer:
4.33
